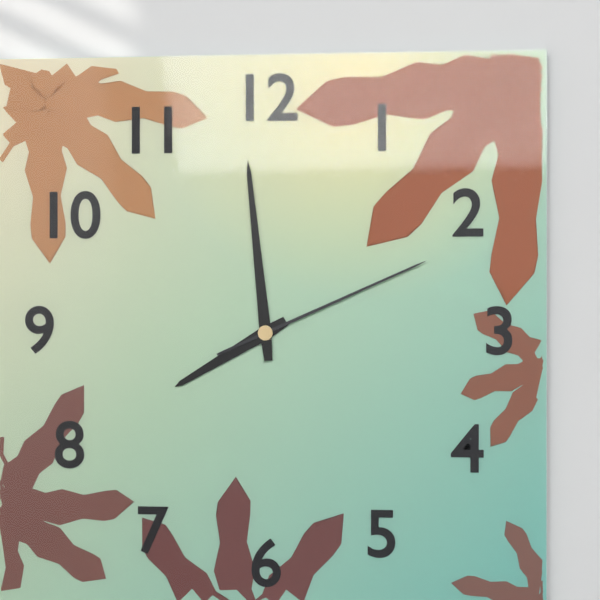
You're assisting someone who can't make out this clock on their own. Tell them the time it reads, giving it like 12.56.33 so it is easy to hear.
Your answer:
7.59.11
